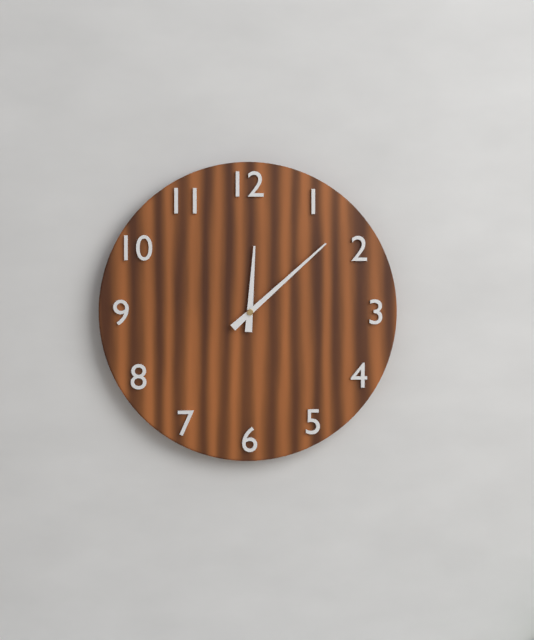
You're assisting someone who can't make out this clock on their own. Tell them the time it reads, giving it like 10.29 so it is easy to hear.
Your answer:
12.08
